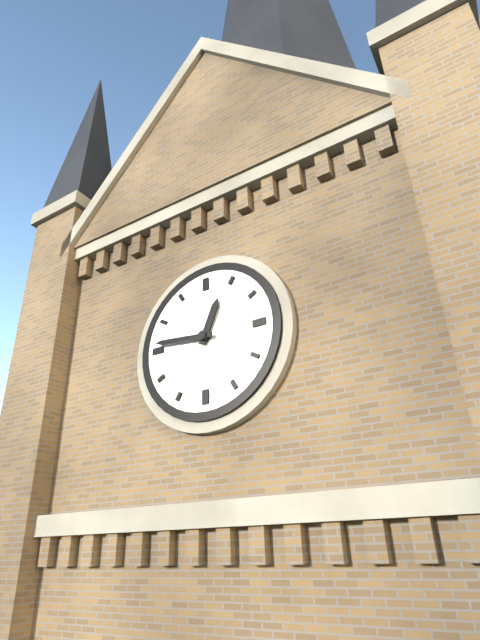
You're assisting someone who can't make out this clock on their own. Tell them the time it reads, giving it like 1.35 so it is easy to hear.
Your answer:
12.46
